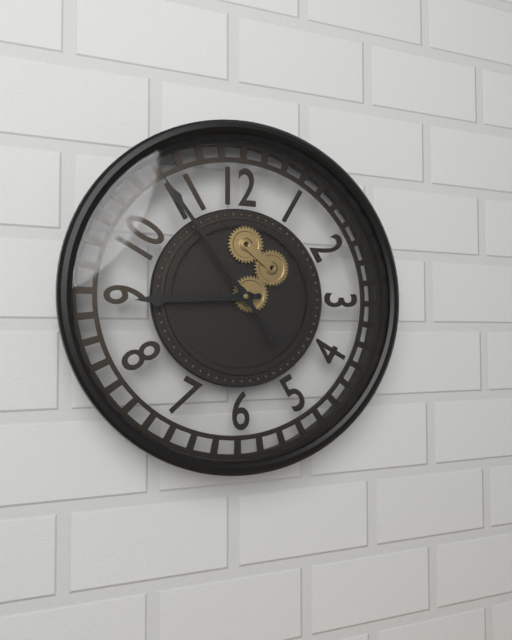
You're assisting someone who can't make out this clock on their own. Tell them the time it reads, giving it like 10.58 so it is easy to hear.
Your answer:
8.54
